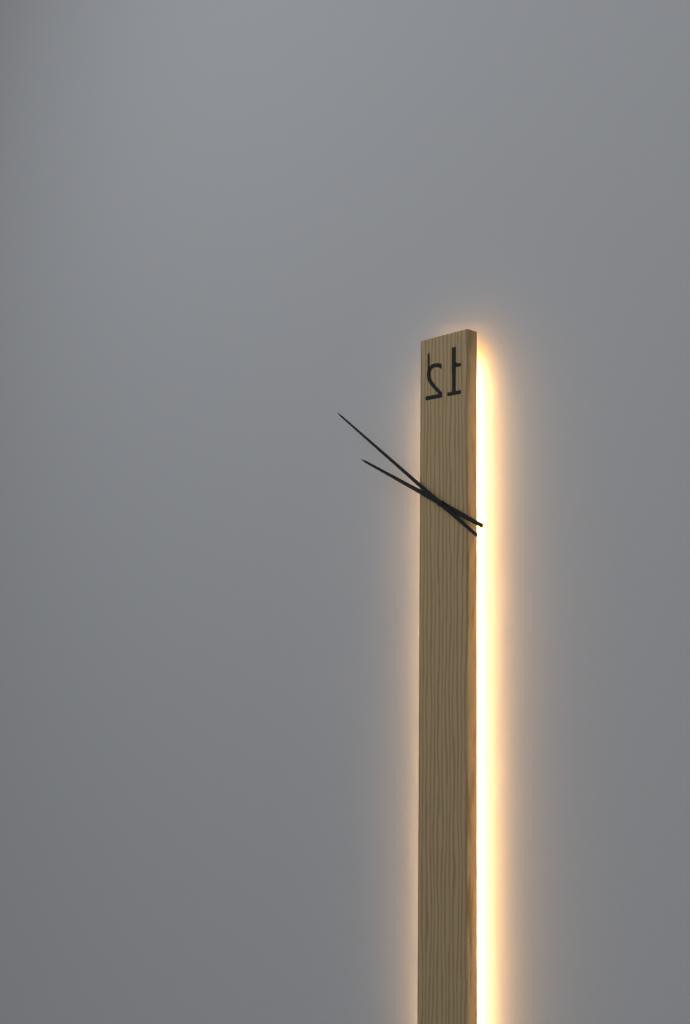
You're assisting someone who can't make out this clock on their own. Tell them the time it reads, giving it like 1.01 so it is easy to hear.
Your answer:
9.51
